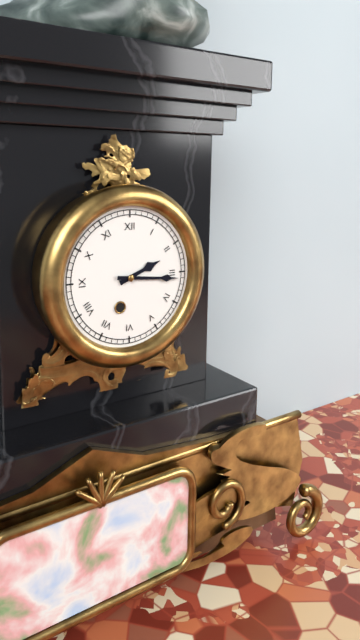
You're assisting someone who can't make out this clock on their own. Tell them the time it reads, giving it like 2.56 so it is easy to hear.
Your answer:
2.16
